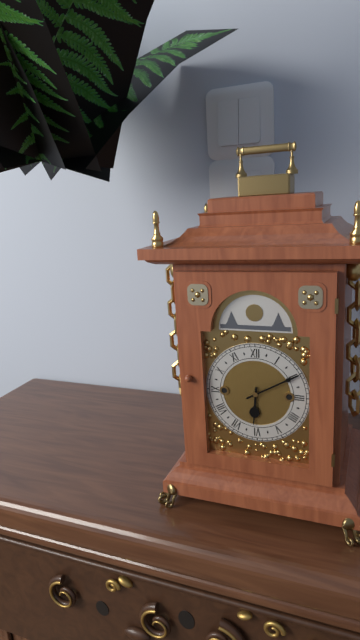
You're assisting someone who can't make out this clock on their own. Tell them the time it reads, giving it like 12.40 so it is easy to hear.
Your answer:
6.10
